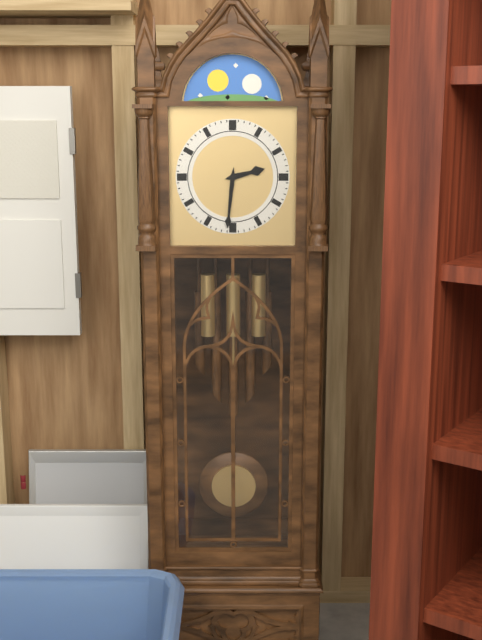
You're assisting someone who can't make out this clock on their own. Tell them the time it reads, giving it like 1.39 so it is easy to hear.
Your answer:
2.31
